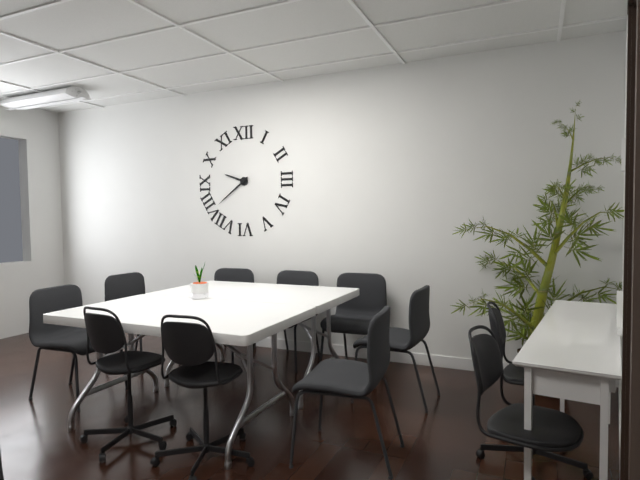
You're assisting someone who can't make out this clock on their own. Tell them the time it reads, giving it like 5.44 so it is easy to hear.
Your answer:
9.39
